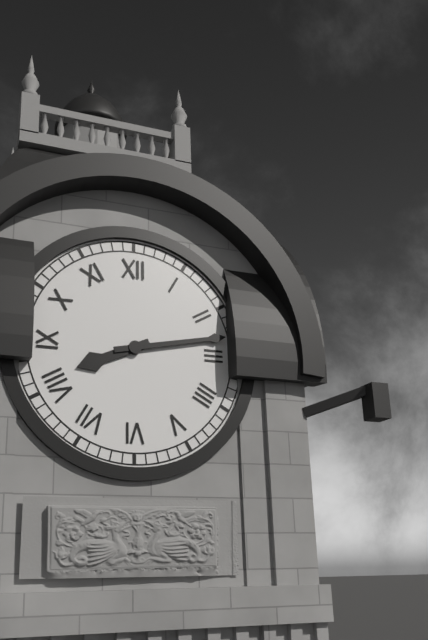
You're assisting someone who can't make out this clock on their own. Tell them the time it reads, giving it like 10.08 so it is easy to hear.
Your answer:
8.13
